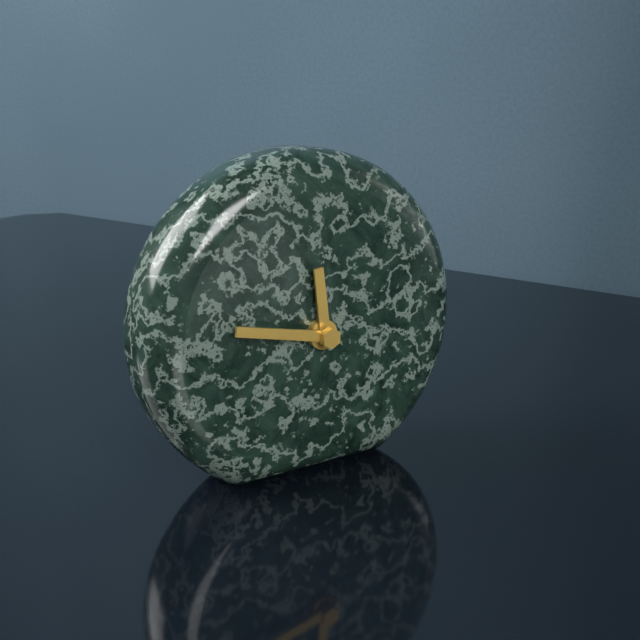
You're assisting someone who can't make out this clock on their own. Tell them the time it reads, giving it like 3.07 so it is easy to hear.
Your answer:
11.47
